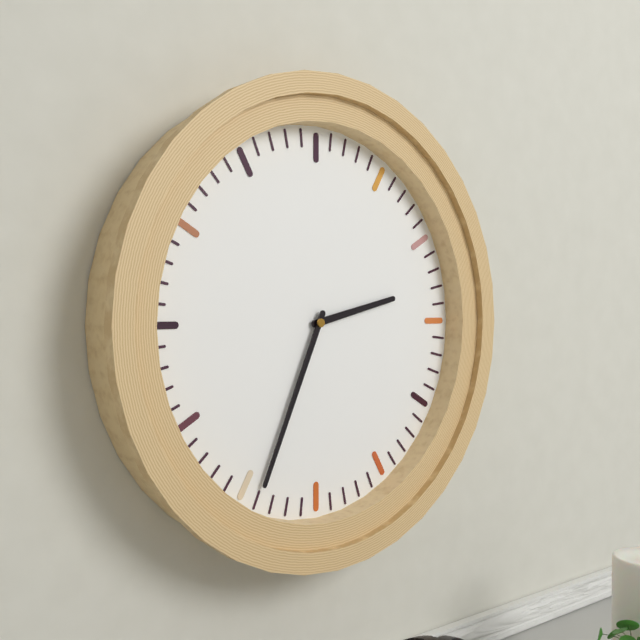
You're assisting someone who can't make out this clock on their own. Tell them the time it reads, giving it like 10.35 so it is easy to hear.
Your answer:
2.34
